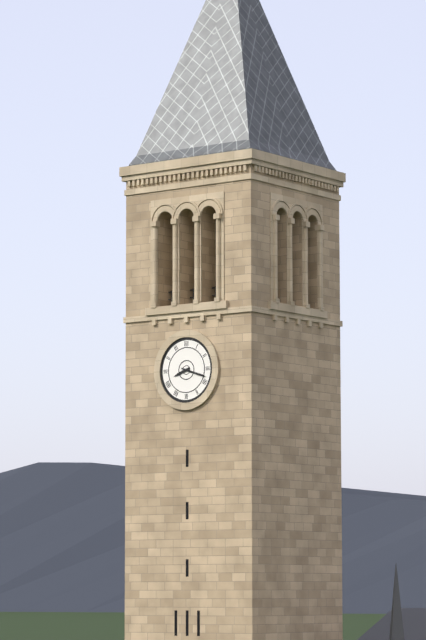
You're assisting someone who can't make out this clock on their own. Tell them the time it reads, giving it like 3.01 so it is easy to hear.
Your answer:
8.18
